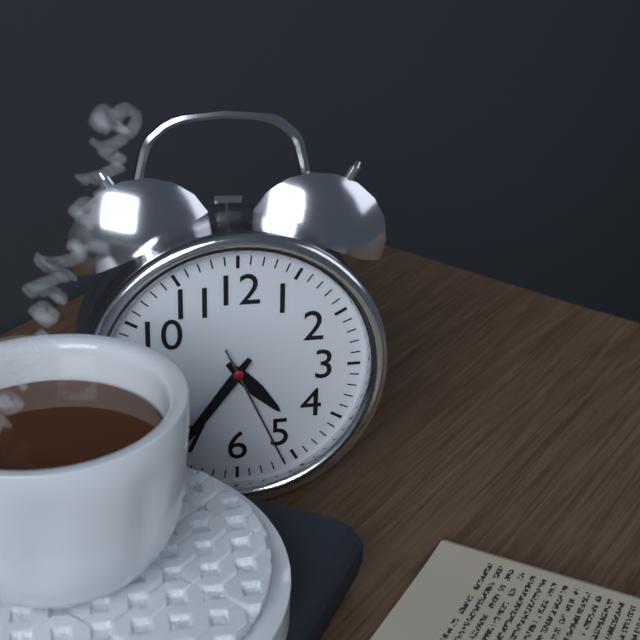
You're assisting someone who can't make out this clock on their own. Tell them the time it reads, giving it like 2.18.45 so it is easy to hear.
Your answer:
4.36.26
